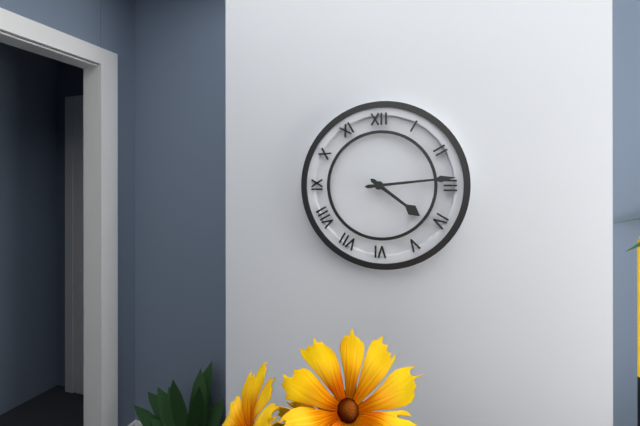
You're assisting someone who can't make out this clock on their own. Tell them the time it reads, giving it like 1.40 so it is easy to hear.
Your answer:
4.14
